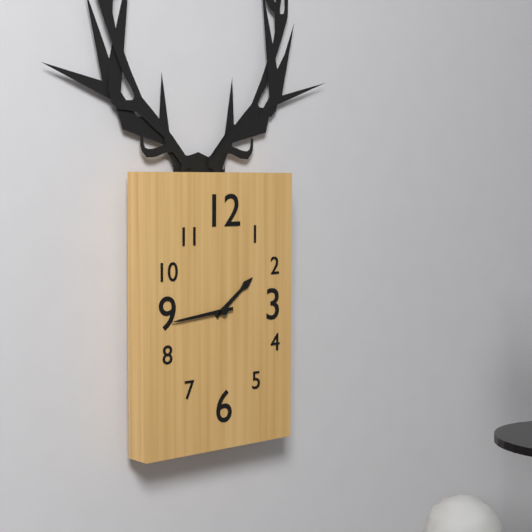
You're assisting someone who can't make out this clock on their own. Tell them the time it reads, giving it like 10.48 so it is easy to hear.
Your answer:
1.44
